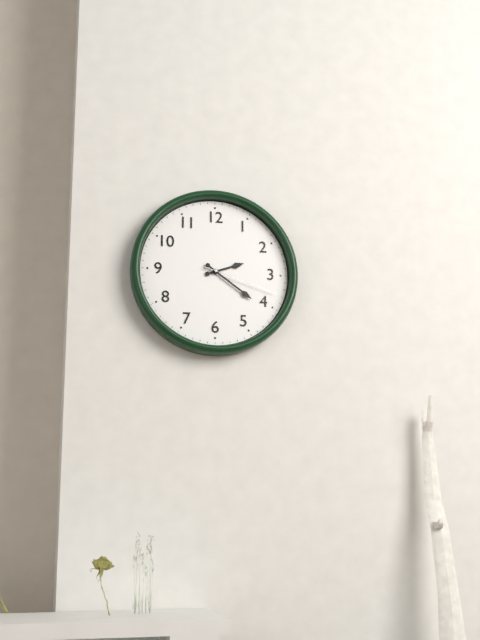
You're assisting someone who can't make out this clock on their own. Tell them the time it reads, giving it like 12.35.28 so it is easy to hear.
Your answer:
2.21.18
